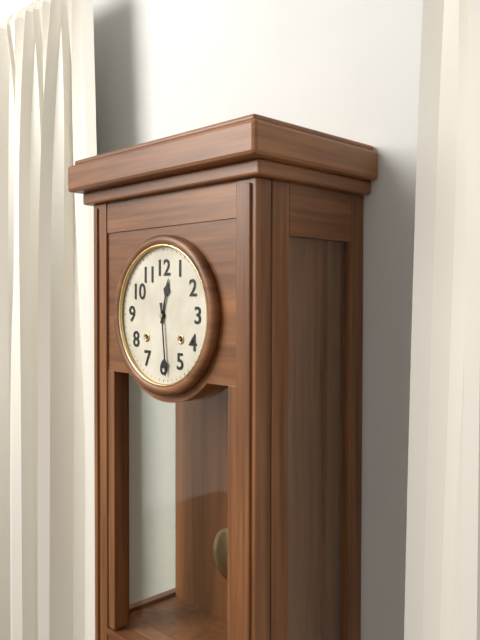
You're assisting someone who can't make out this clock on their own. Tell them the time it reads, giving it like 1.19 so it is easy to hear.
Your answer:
12.29
